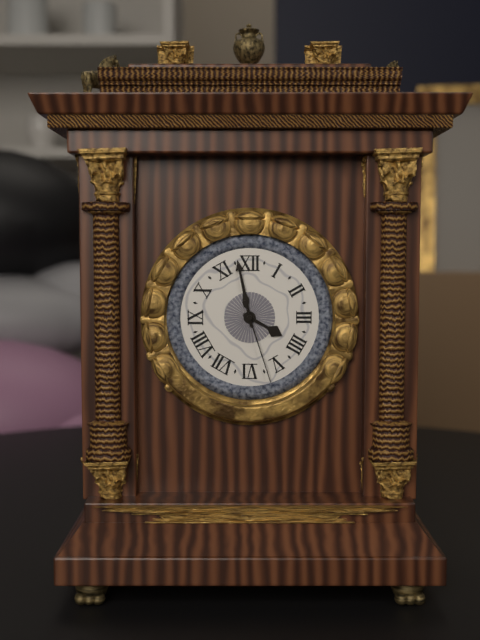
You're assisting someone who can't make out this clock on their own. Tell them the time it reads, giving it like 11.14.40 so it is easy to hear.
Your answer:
3.58.27
